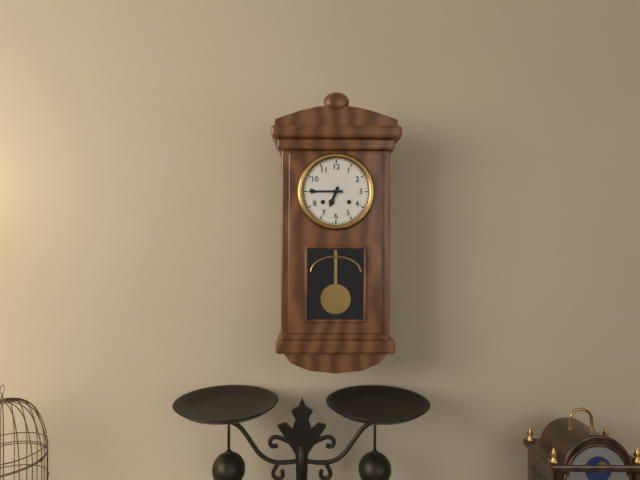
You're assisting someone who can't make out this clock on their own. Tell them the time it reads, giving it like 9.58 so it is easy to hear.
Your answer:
6.45
